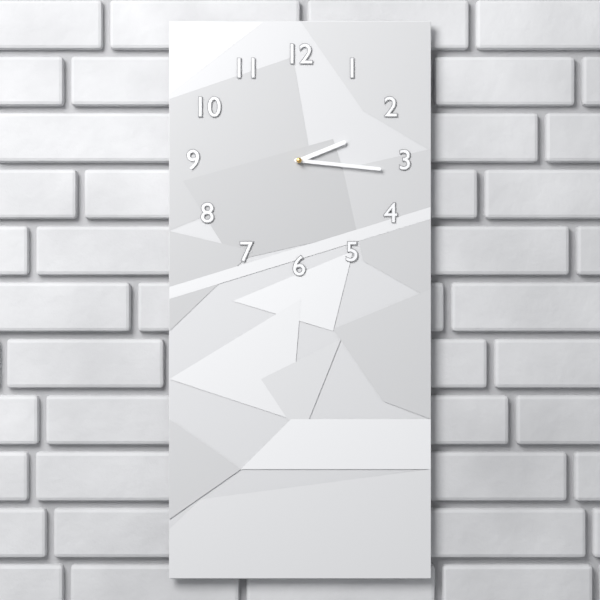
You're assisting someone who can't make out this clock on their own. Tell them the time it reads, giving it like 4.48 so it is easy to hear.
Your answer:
2.16
